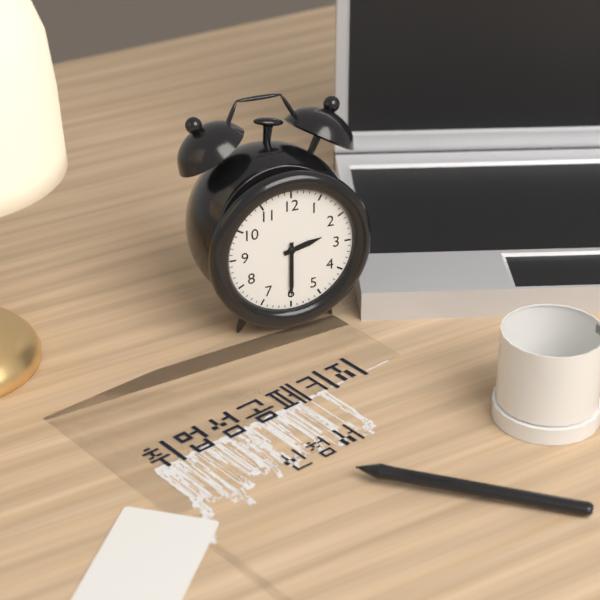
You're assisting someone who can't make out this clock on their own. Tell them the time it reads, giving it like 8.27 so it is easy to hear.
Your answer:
2.30
